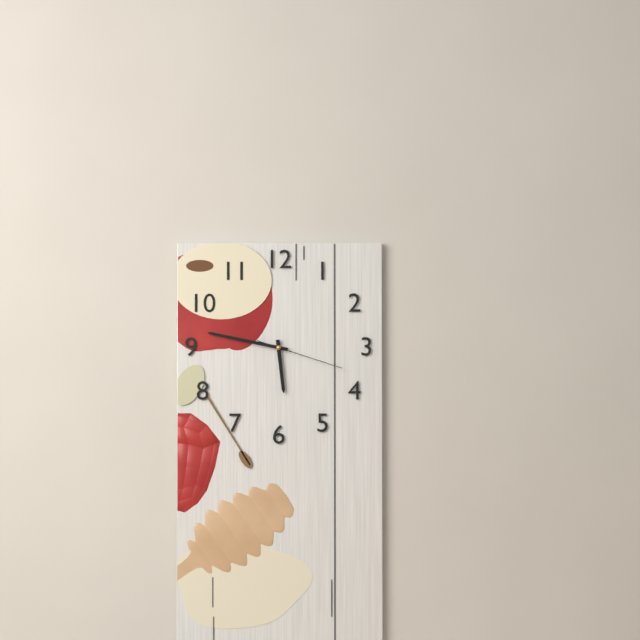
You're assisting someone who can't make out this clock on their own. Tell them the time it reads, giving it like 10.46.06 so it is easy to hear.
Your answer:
5.47.18
